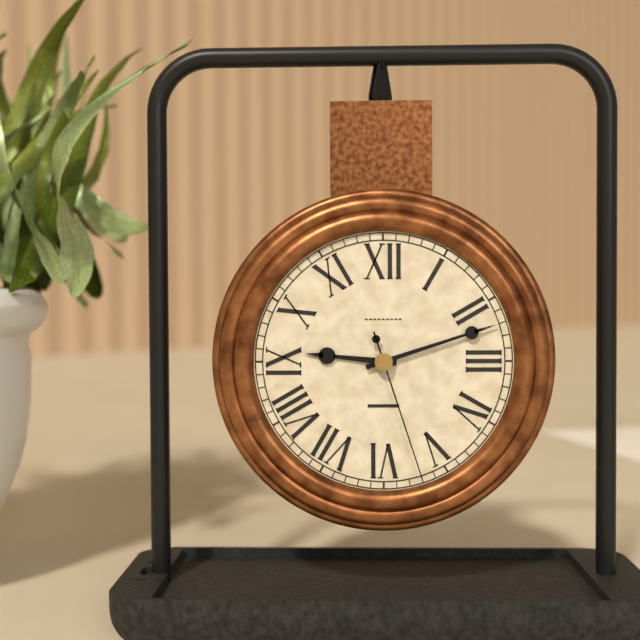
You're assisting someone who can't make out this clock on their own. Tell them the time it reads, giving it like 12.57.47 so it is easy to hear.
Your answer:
9.12.27
